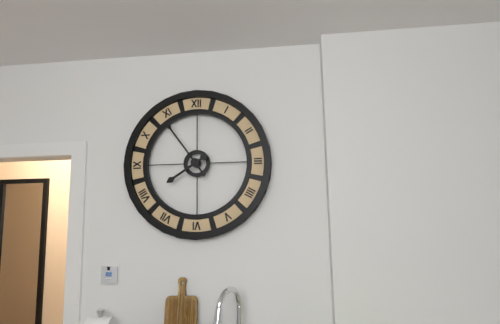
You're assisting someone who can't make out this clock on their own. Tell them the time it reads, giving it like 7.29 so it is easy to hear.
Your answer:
7.54
